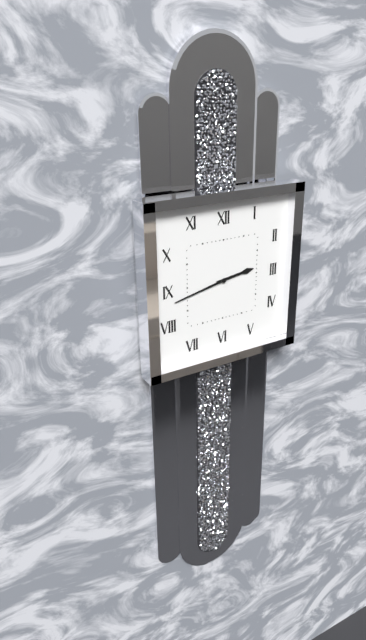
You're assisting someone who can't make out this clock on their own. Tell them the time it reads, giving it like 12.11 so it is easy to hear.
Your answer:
2.43
